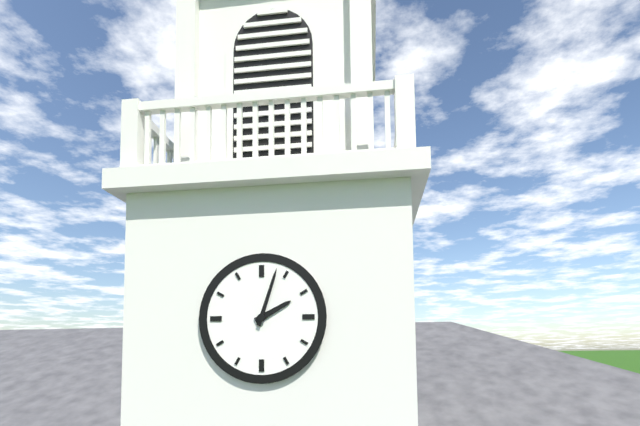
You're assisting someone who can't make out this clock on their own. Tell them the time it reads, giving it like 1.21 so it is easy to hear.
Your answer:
2.03
